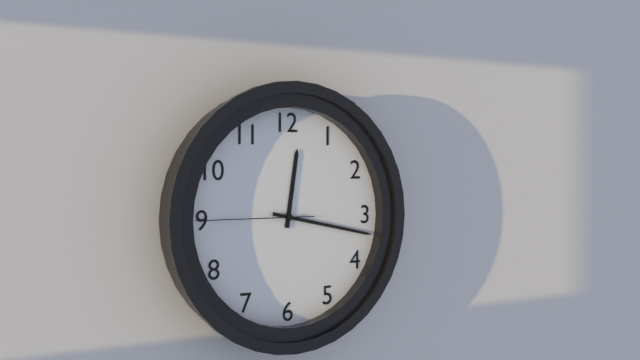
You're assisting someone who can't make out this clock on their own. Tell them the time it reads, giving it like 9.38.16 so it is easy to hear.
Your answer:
12.17.45
